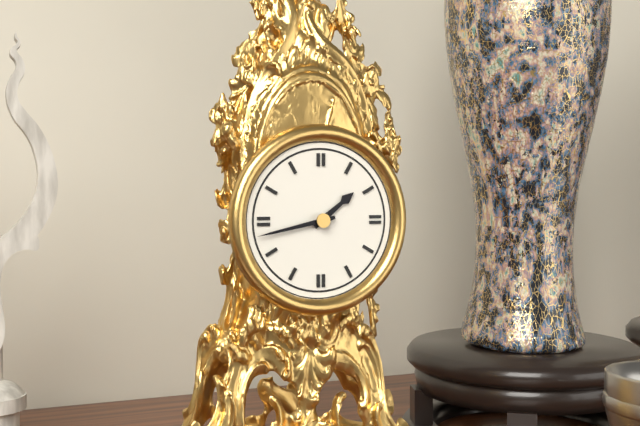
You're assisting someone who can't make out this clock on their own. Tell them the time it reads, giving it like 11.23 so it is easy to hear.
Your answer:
1.43
